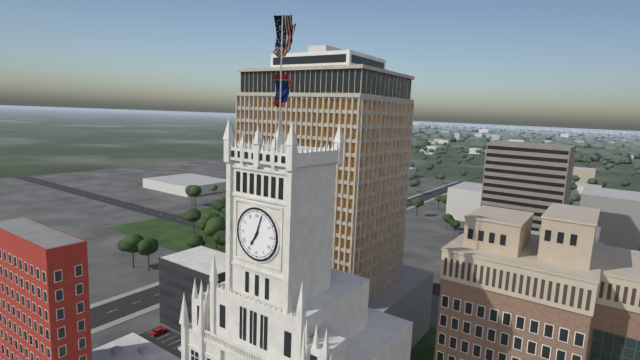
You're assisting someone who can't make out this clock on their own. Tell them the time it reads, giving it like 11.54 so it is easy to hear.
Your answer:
7.03
